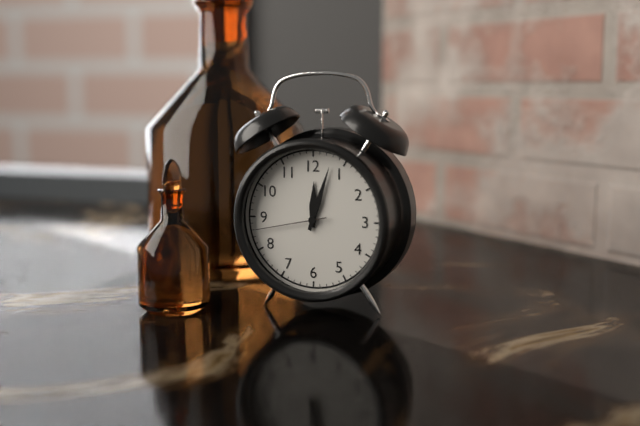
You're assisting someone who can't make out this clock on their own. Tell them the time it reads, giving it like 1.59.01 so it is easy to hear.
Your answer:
12.03.43
